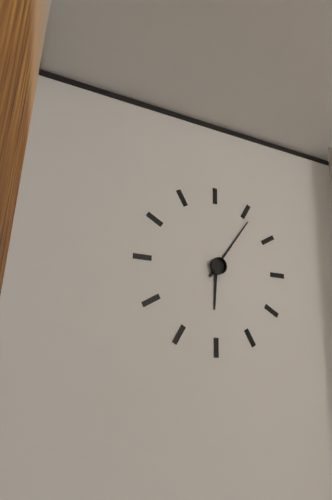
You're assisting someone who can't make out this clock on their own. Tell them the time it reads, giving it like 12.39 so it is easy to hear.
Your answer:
6.06
